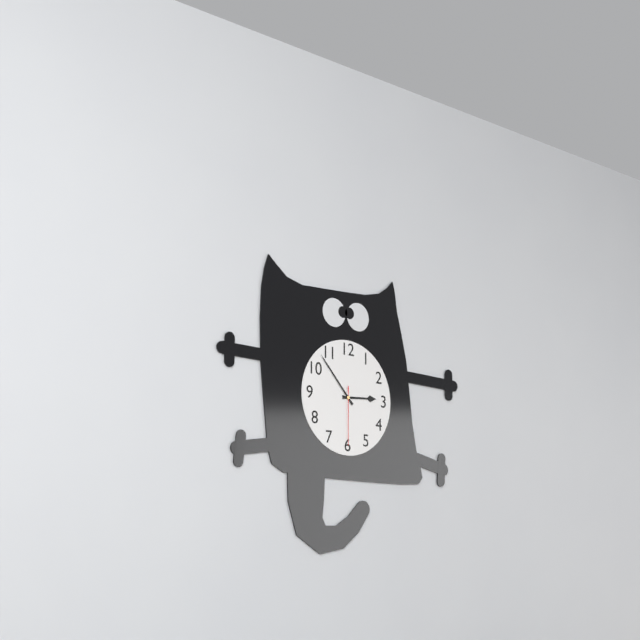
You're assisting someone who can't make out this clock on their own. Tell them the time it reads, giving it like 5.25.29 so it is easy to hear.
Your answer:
2.53.30
